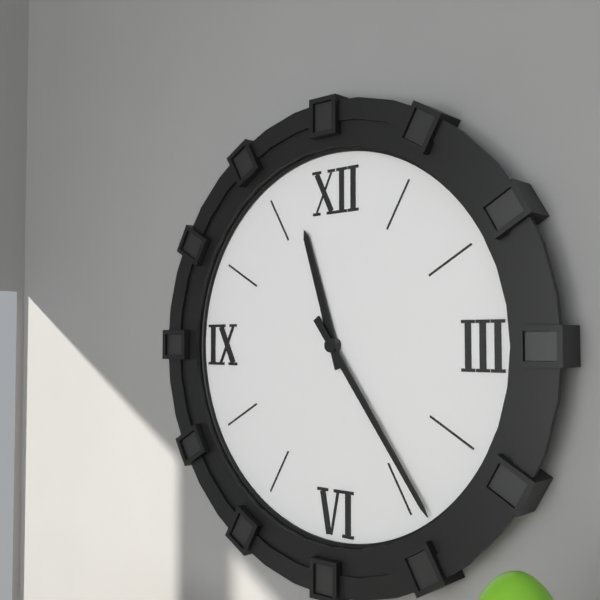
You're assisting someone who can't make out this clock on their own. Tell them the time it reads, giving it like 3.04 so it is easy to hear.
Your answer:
11.24
